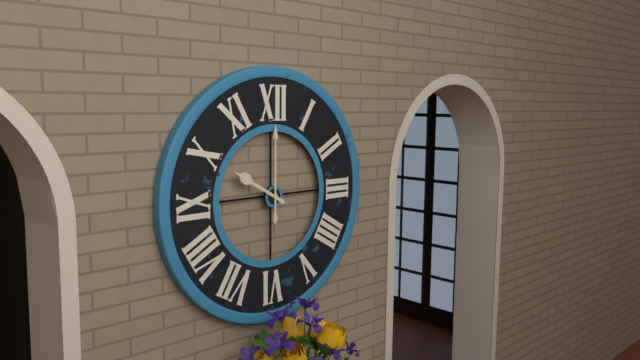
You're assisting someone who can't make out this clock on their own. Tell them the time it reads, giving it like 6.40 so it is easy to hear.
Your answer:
10.00
